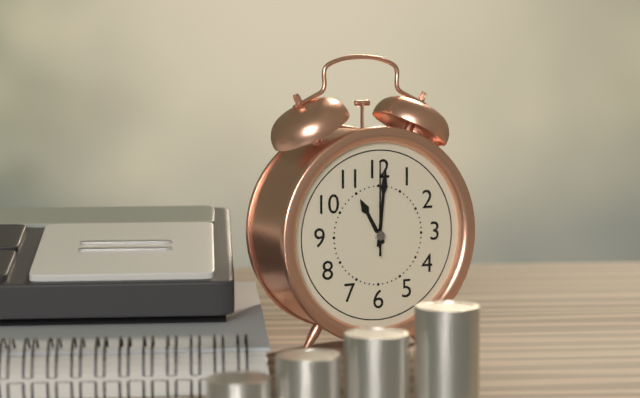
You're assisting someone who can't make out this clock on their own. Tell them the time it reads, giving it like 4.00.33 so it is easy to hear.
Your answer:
11.01.00
